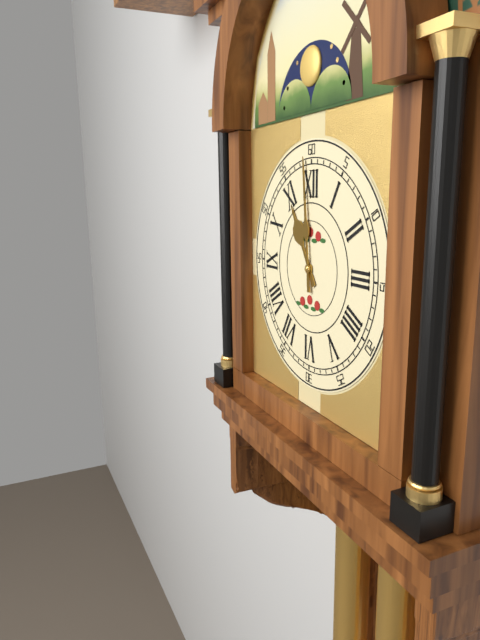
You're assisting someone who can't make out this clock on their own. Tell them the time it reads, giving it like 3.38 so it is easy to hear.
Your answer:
10.59
